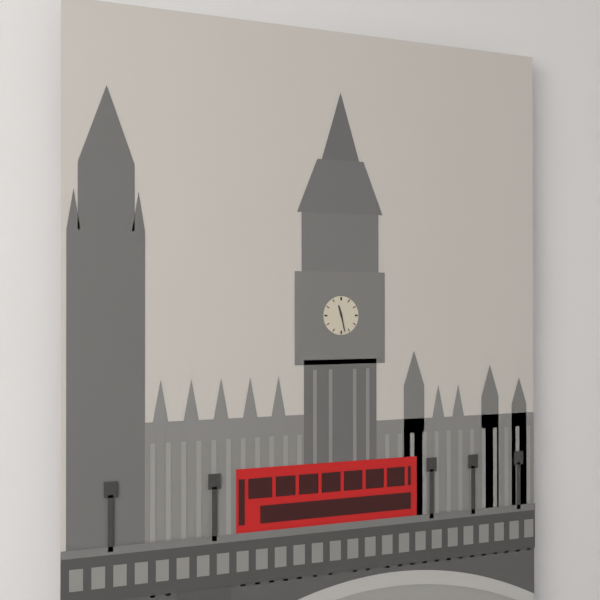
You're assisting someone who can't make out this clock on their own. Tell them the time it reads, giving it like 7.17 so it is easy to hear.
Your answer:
11.28
